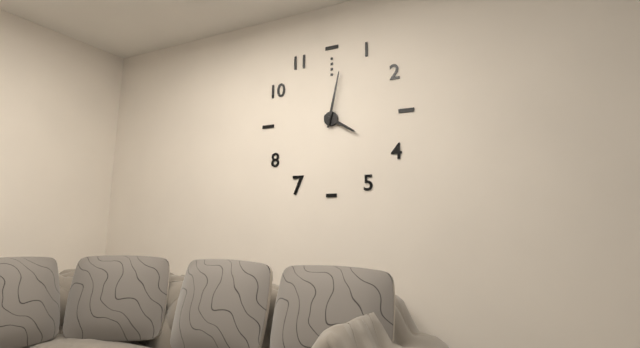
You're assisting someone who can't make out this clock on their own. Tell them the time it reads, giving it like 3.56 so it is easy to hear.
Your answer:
4.02
